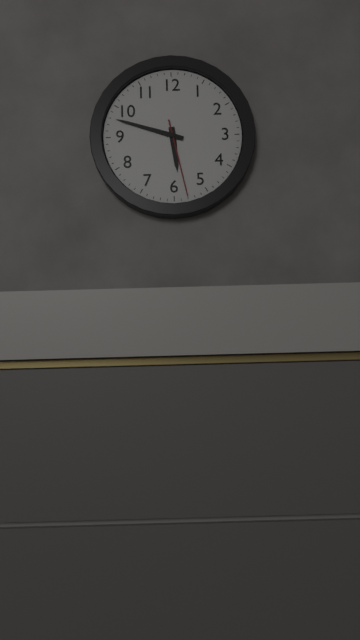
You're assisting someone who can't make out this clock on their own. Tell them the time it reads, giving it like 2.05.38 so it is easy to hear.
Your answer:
5.48.28
